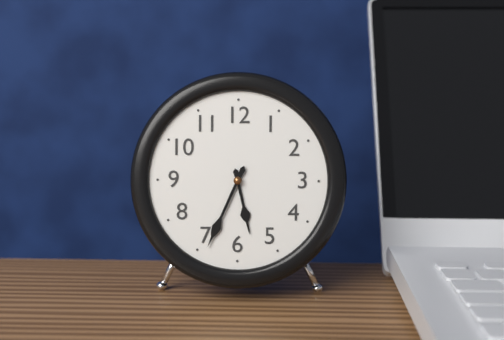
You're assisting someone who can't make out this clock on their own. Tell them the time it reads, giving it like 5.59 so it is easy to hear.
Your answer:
5.34
